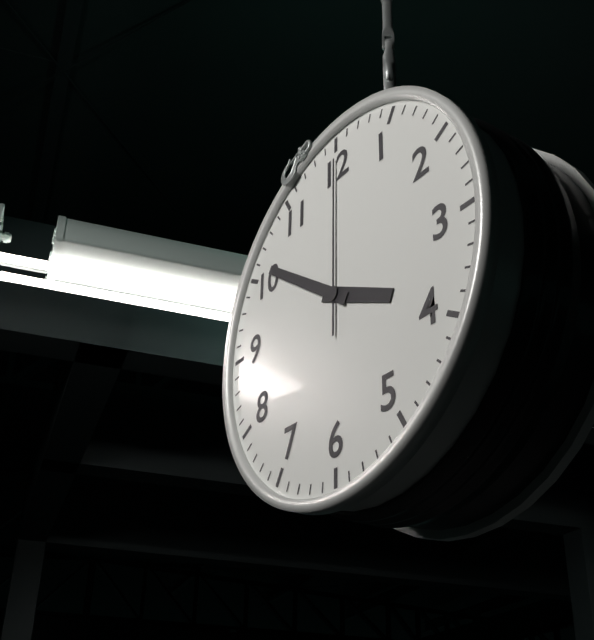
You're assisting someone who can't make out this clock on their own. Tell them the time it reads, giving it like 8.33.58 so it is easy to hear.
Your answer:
3.51.00
